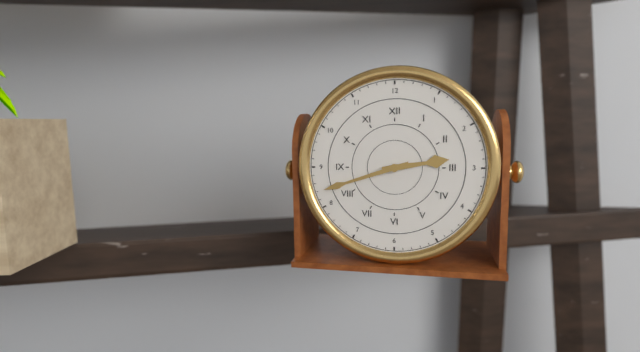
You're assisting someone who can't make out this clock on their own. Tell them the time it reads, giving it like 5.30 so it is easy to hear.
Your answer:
2.42
